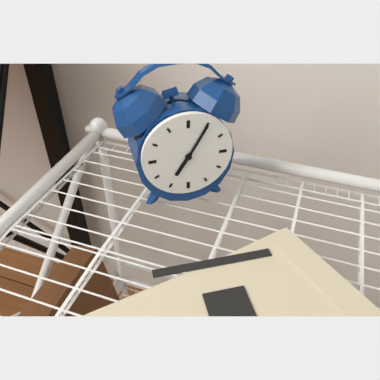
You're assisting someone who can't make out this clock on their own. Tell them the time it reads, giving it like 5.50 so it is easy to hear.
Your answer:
7.05
